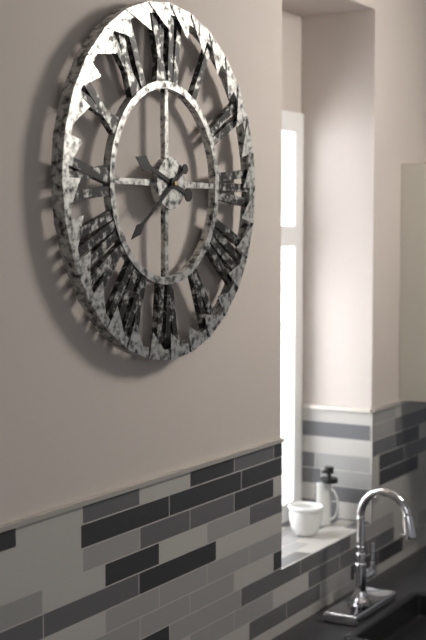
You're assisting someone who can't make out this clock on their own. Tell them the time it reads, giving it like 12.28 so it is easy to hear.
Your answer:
9.39
